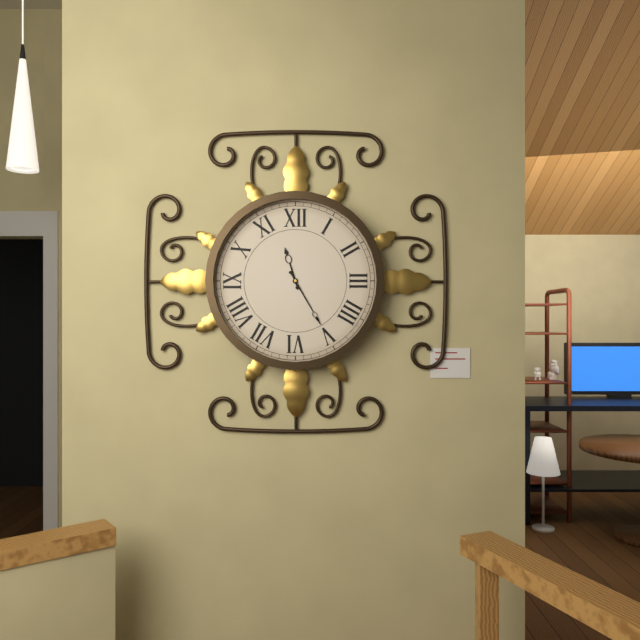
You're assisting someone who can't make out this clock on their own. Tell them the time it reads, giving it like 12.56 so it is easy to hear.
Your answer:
11.25
